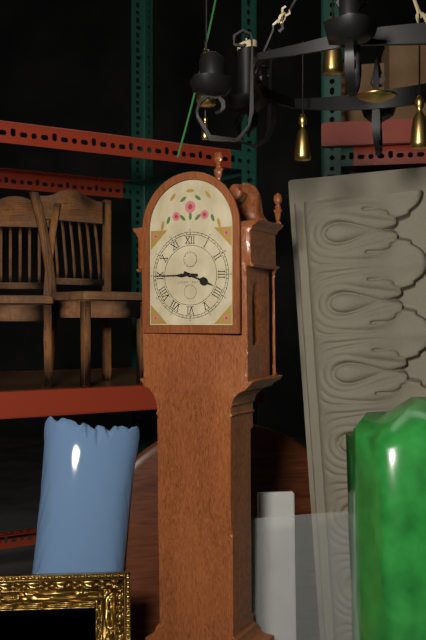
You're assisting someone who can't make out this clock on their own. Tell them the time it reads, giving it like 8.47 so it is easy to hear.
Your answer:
3.45
